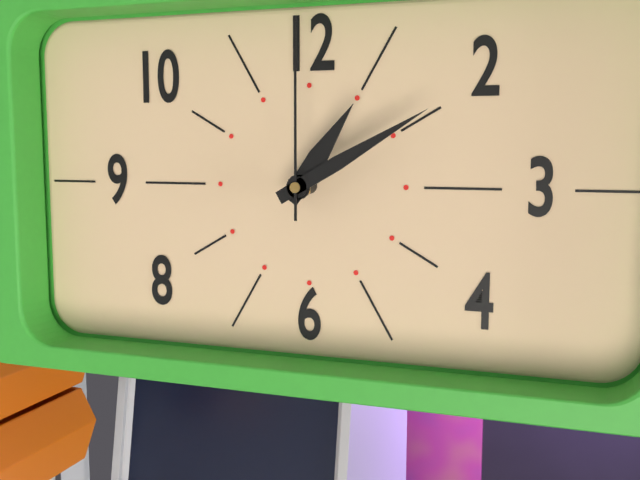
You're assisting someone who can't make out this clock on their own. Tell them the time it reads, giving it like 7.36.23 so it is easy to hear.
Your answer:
1.10.00
